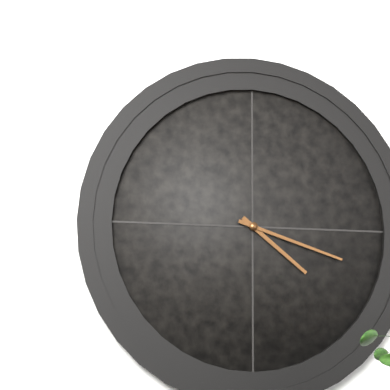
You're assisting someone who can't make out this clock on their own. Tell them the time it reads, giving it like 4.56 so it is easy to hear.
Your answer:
4.18
